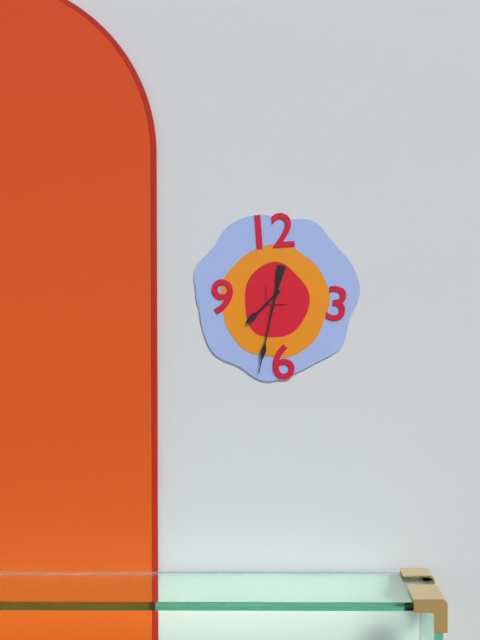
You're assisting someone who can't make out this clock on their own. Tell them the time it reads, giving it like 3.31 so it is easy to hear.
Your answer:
7.32
